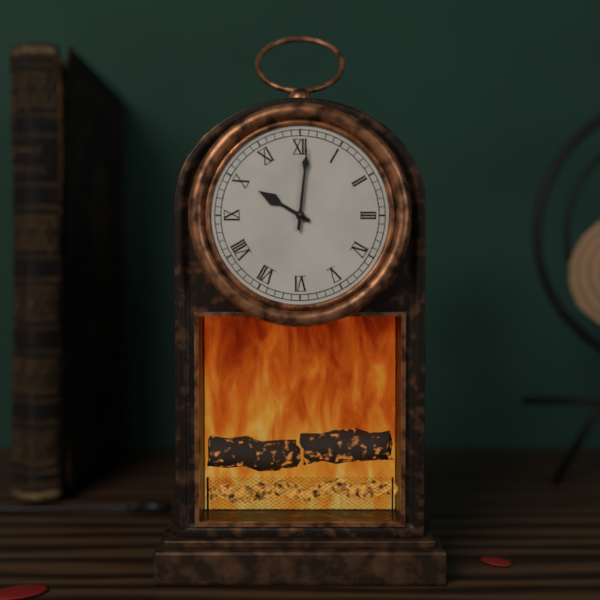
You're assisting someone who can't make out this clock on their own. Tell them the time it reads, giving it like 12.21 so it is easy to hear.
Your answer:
10.01
